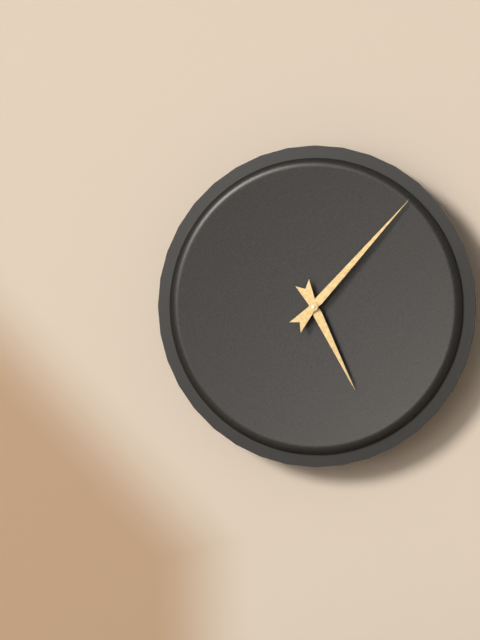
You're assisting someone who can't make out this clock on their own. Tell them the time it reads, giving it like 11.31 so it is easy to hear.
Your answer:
5.07
